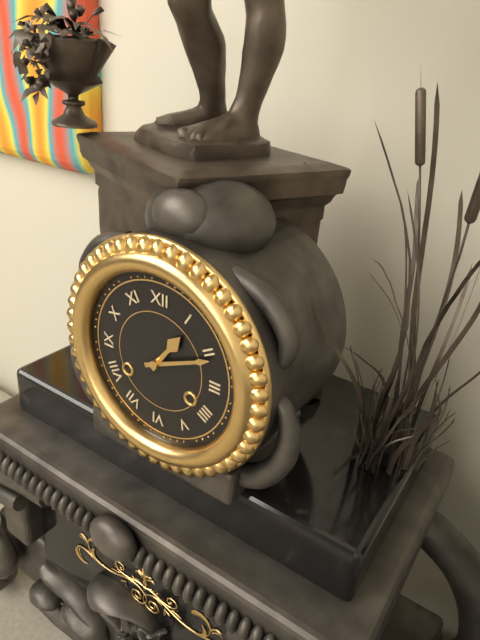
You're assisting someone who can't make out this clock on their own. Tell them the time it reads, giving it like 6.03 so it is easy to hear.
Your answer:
1.11
